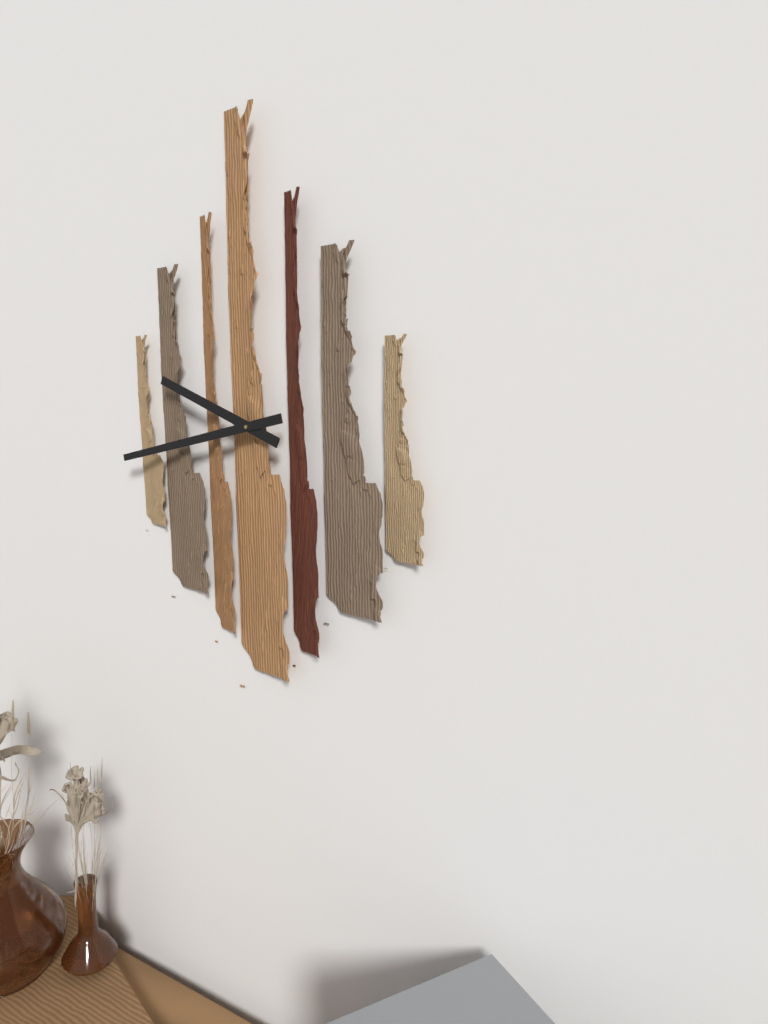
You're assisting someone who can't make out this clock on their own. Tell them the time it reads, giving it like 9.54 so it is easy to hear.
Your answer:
9.43
